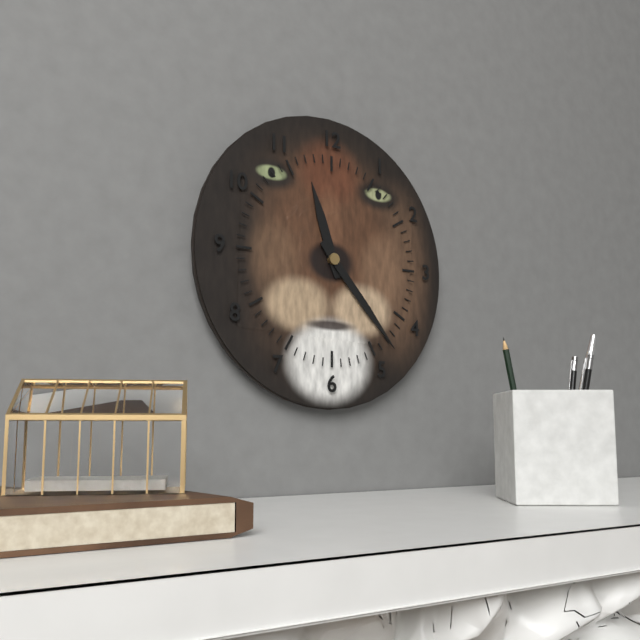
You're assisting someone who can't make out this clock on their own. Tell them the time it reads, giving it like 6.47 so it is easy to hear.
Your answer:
11.23
